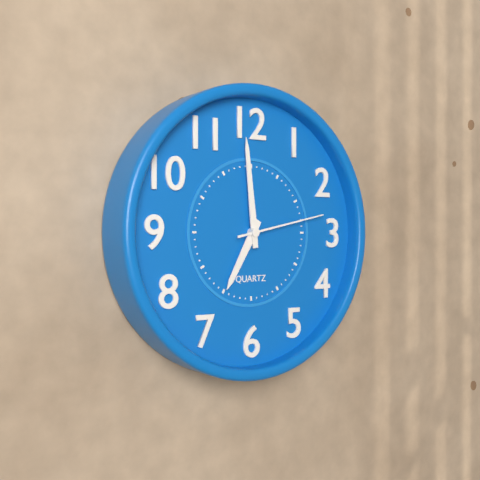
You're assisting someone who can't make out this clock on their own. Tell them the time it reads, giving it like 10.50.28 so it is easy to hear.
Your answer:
6.59.13
